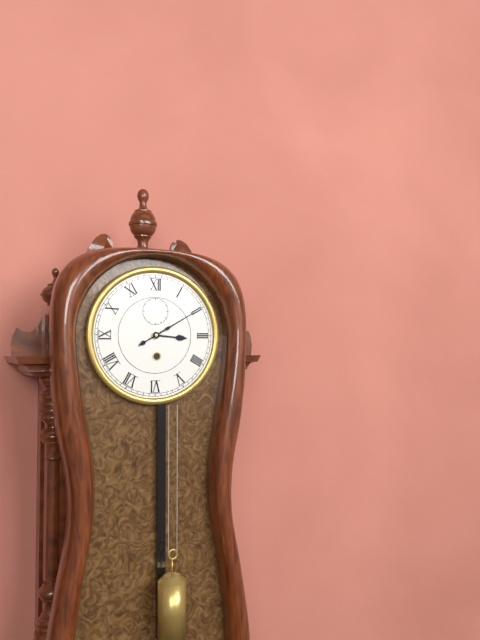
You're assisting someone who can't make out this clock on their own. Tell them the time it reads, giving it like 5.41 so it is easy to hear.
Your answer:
3.10
